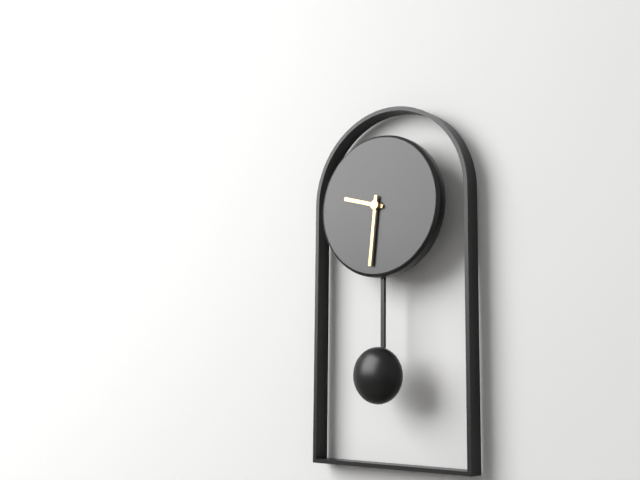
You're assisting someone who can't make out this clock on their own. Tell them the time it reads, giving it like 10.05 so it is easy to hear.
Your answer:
9.31
